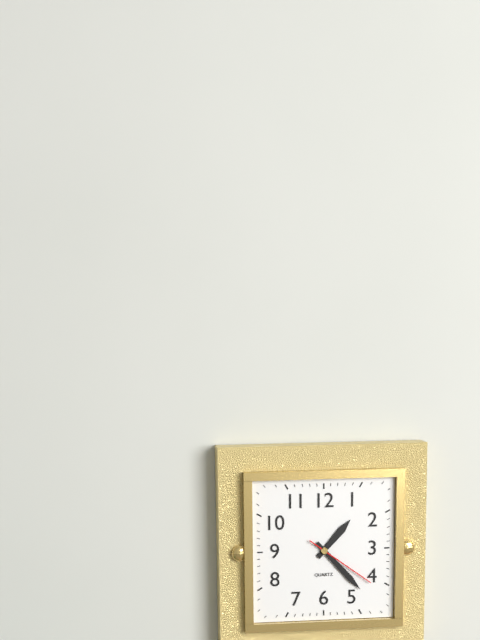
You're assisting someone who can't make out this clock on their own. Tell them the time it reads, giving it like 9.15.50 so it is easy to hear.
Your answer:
1.23.21
